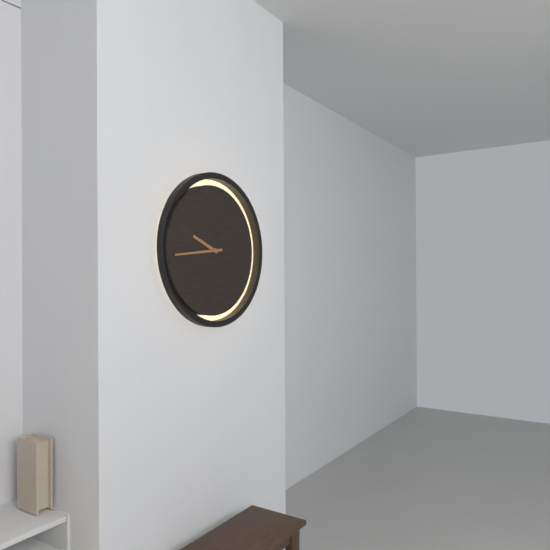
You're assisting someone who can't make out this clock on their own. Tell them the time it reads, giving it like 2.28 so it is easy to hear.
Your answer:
9.44
